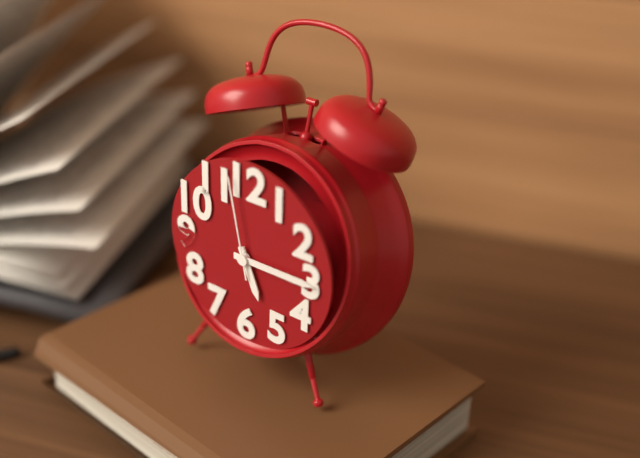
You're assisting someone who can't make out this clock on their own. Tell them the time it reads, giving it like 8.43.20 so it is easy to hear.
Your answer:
5.15.58
